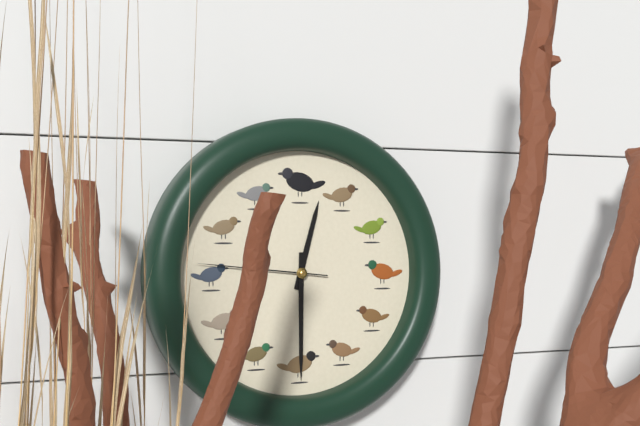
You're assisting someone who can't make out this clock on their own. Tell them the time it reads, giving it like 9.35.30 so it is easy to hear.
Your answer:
12.30.46
